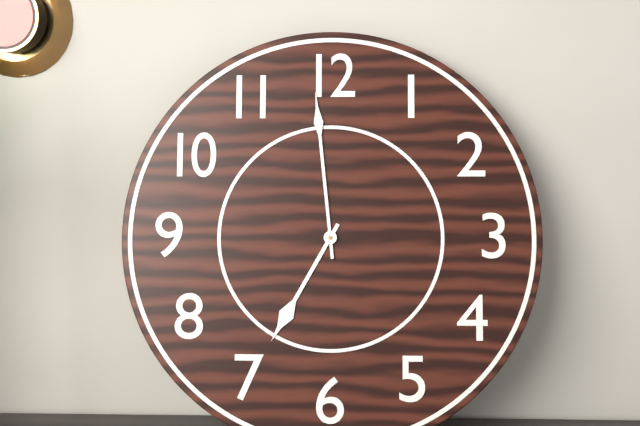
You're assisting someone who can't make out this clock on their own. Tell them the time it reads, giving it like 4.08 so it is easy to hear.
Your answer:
6.59
